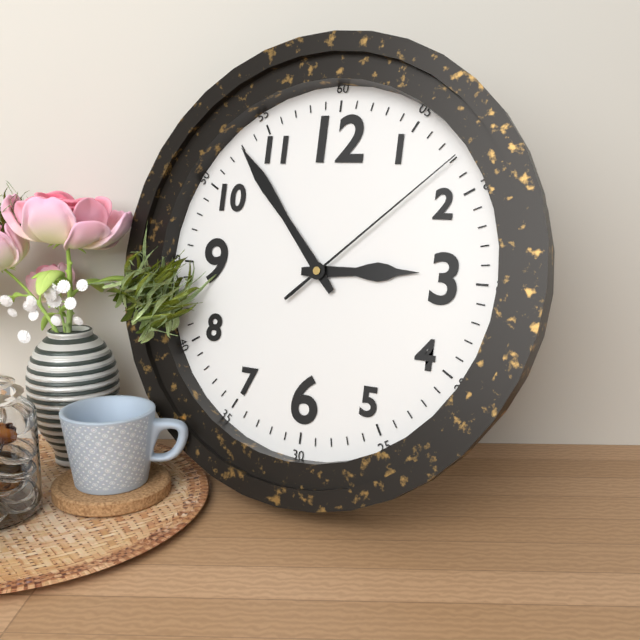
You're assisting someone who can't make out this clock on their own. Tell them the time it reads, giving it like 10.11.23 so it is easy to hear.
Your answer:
2.53.08
